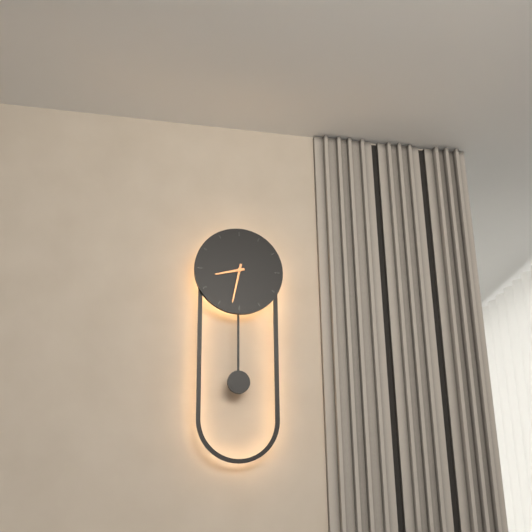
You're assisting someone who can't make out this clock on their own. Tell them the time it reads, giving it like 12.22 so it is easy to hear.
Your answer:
8.32
